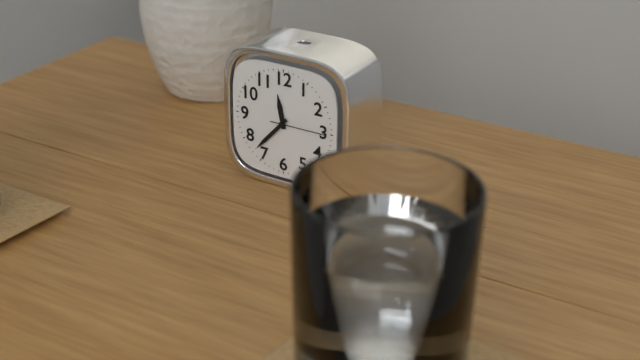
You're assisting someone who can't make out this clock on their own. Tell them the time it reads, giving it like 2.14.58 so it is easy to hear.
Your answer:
11.37.15
